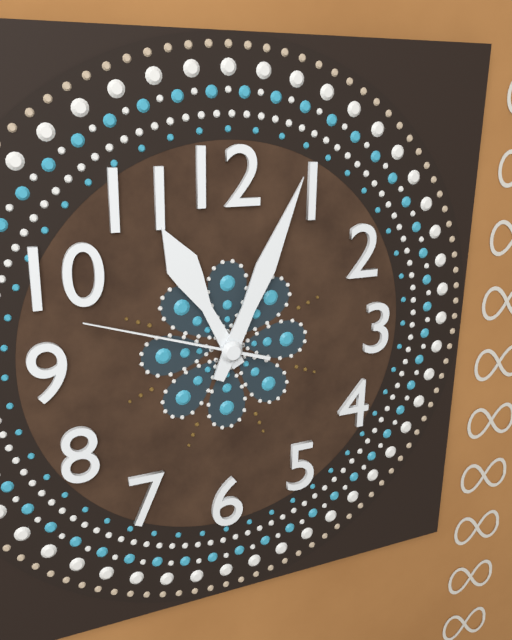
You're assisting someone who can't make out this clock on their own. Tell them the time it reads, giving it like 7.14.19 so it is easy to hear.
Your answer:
11.04.48
